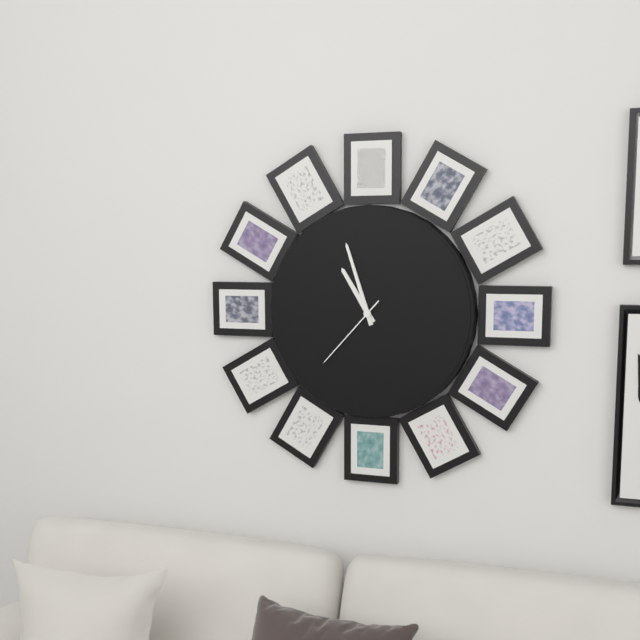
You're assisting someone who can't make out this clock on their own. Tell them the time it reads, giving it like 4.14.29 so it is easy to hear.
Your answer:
10.57.37
